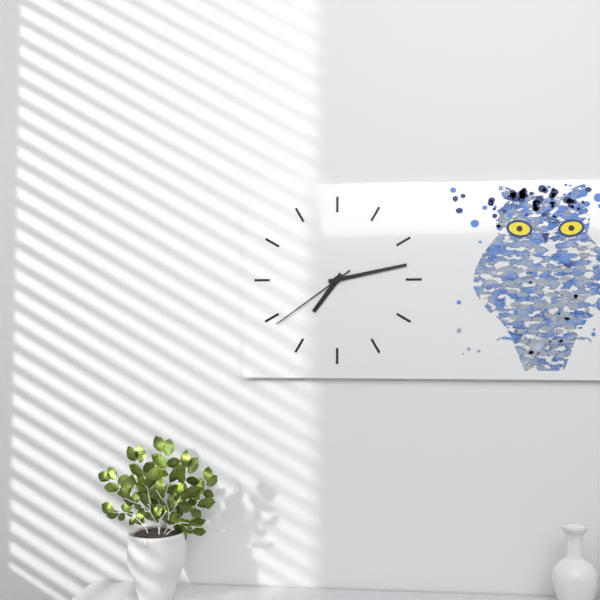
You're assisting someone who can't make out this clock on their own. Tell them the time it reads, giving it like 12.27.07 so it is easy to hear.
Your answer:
7.13.39
